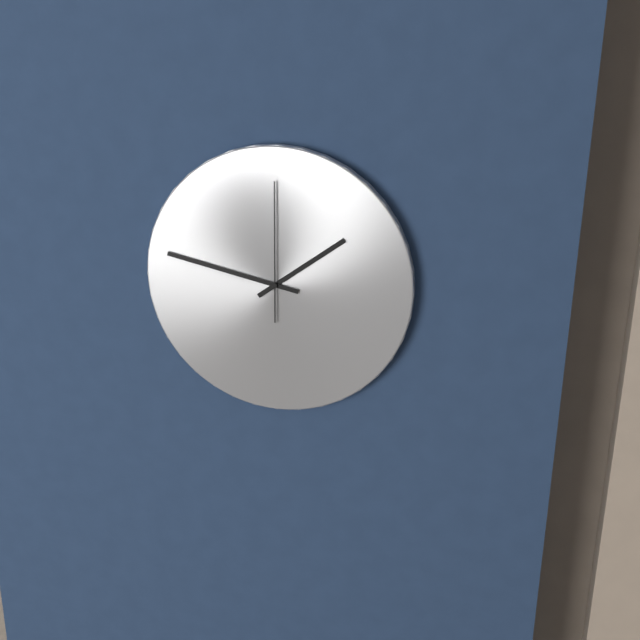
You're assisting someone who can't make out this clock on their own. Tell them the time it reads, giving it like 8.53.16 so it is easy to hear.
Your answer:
1.47.00
